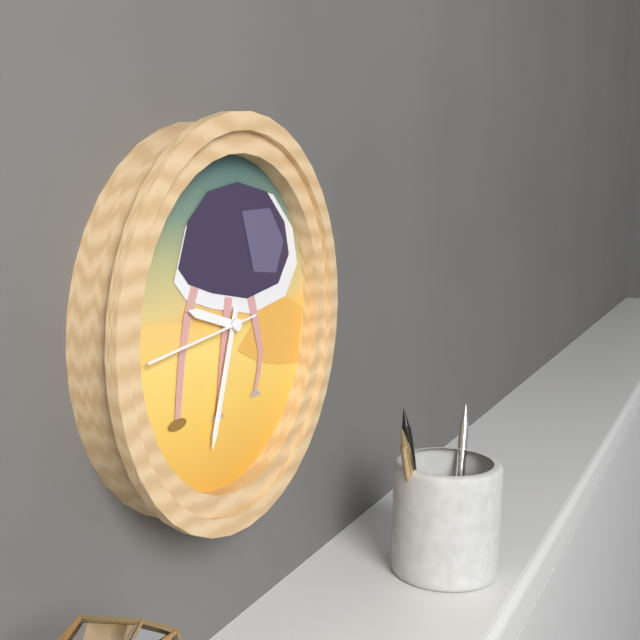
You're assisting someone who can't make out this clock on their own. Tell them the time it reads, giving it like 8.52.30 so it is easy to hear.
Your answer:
9.33.44
